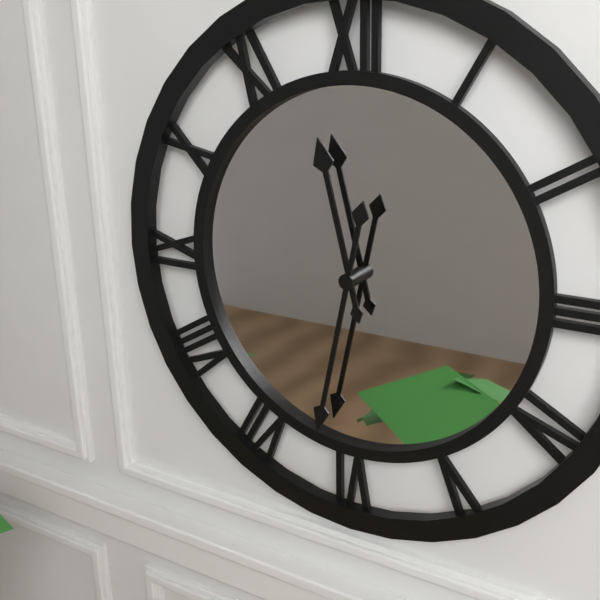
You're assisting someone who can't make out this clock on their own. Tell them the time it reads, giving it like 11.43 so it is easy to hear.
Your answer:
11.32
